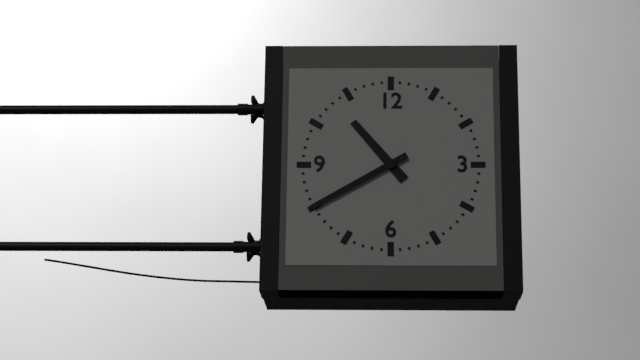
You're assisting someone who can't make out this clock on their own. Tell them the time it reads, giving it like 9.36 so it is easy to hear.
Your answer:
10.40
